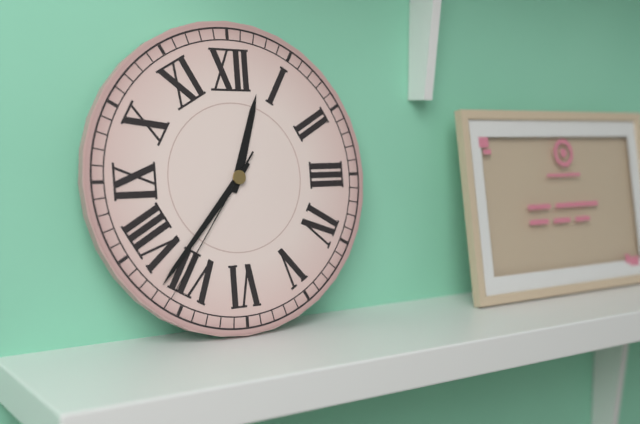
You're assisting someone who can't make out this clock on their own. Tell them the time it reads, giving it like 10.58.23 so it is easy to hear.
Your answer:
12.37.36
